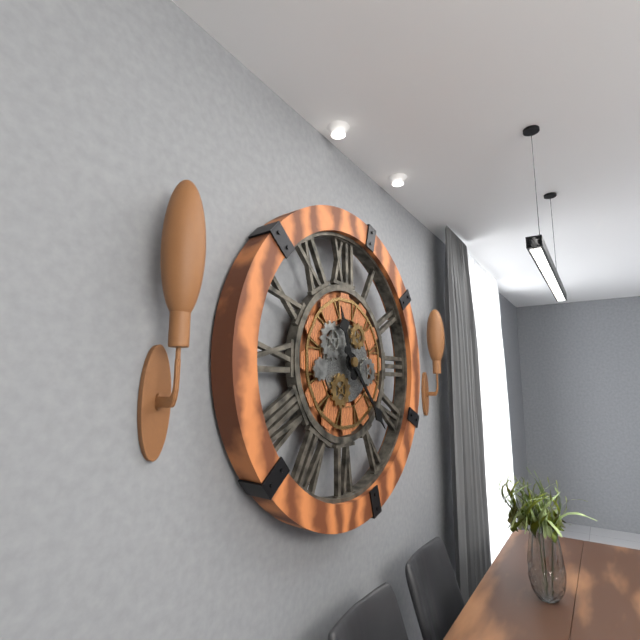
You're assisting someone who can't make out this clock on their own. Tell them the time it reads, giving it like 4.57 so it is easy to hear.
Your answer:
11.23
